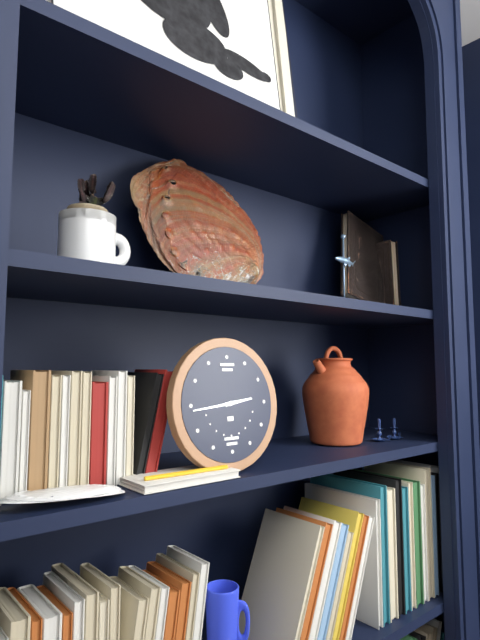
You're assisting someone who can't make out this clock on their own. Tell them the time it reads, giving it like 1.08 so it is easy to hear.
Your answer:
2.44
